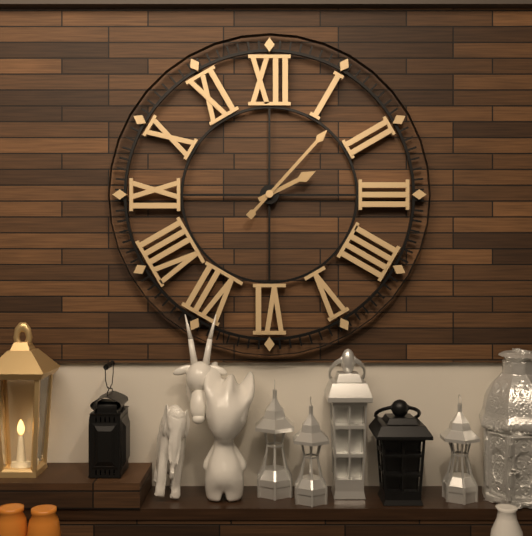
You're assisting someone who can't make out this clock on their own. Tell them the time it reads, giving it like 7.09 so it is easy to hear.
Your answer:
2.07
